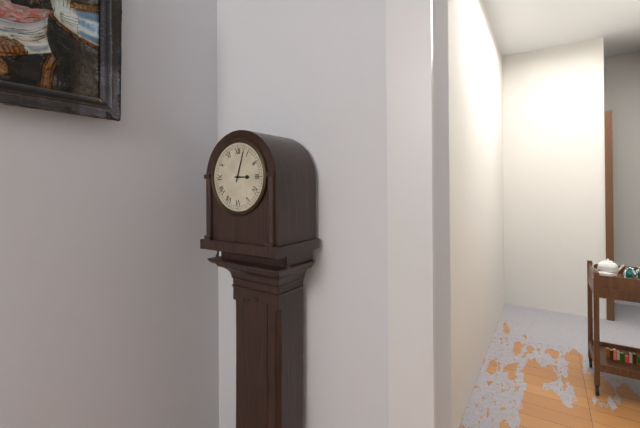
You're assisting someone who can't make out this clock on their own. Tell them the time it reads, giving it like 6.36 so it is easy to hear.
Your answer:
3.03
